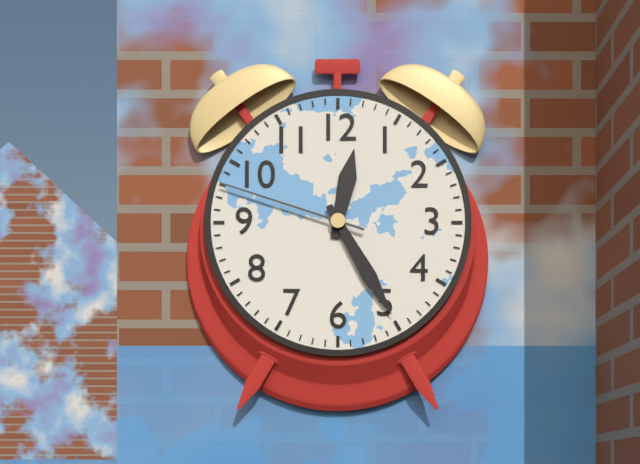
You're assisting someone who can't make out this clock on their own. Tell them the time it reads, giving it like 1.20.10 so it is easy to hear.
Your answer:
12.25.48
